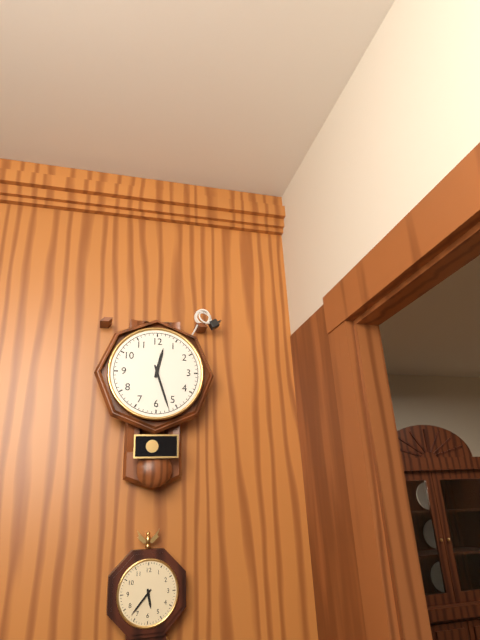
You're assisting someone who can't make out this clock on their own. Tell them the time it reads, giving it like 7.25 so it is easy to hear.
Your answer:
12.27
